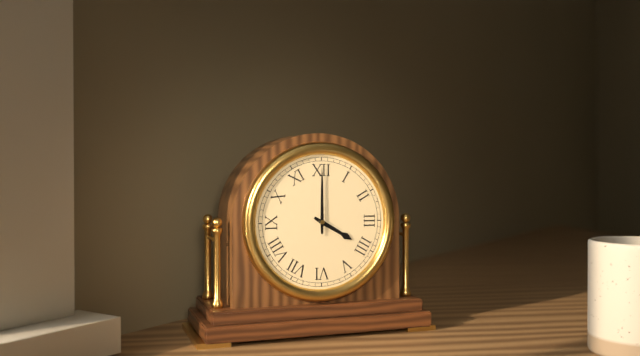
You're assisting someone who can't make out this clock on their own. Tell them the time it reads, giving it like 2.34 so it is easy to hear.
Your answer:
4.00
